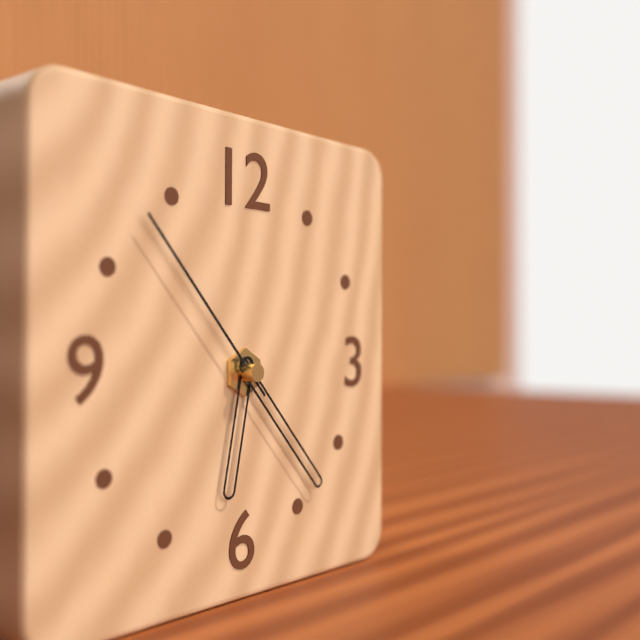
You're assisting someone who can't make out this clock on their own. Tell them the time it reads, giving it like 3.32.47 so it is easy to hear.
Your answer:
6.23.53
